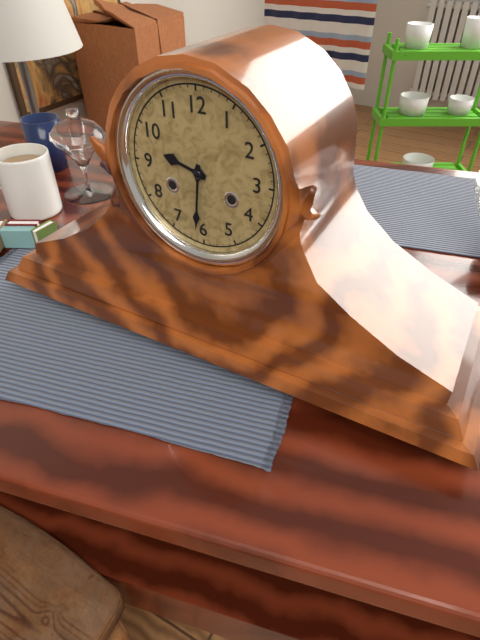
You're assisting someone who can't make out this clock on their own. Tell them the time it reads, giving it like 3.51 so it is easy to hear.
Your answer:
9.31
